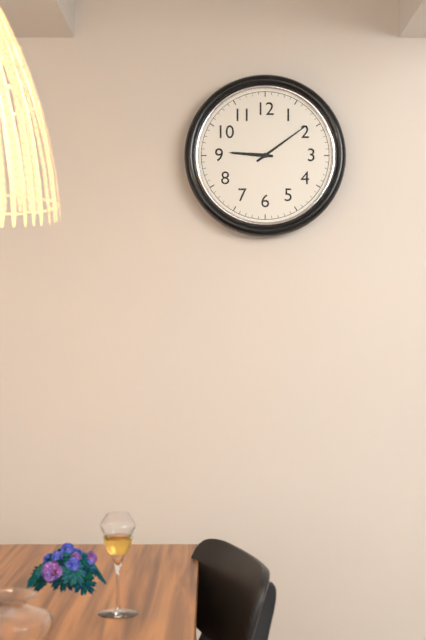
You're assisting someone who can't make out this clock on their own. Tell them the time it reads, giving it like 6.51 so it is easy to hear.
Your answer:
9.09
